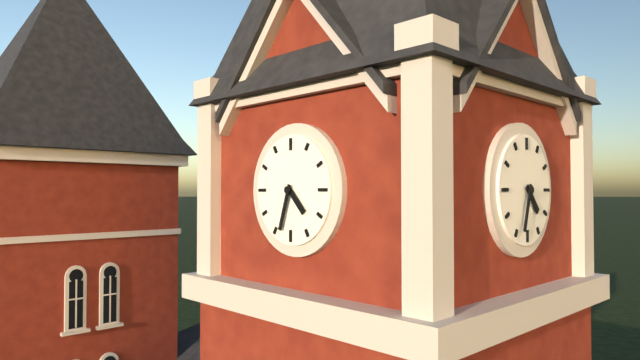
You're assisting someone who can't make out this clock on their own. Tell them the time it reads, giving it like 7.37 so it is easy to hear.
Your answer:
4.33
